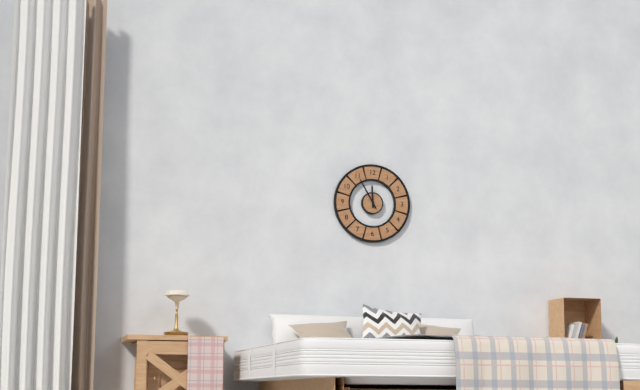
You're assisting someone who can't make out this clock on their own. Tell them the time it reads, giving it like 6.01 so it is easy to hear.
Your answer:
11.55
